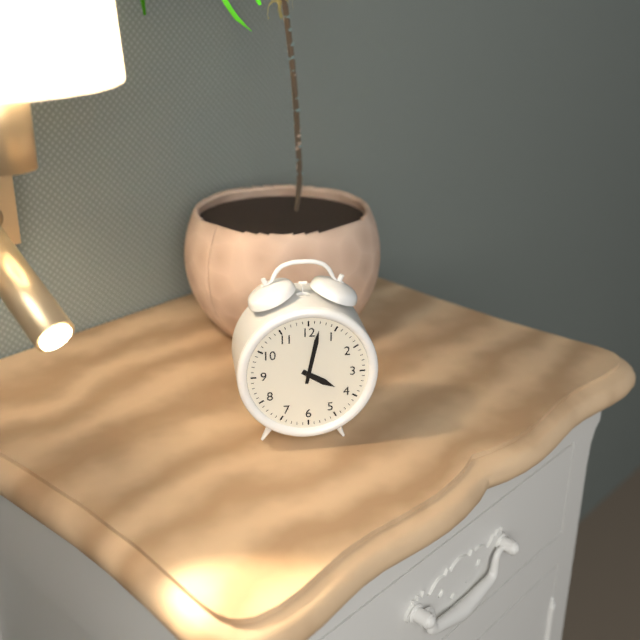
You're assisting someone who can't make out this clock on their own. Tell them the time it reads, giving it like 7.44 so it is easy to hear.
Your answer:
4.02
